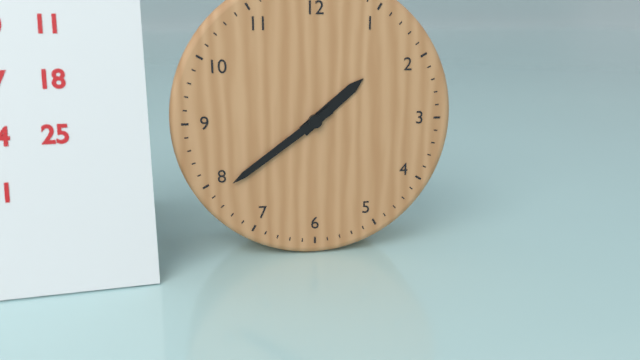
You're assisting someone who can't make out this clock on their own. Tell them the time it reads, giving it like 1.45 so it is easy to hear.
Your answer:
1.39
